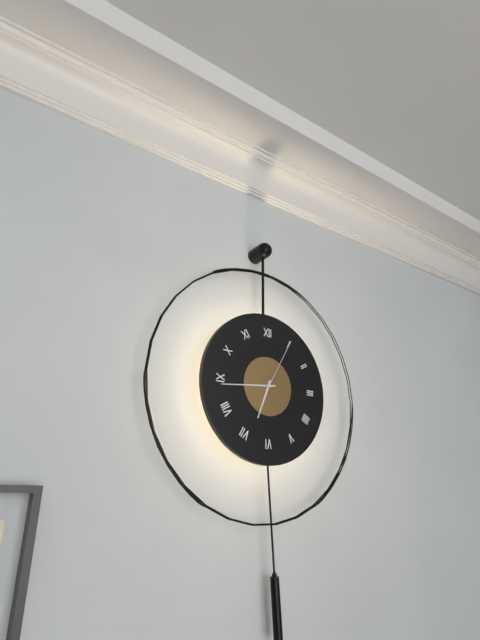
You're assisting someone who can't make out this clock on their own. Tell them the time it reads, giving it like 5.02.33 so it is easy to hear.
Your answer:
6.44.05
